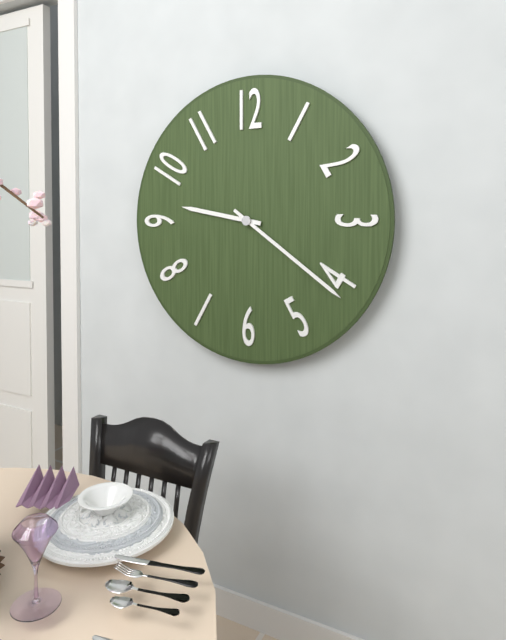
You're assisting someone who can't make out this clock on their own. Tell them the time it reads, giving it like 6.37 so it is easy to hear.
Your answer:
9.21
